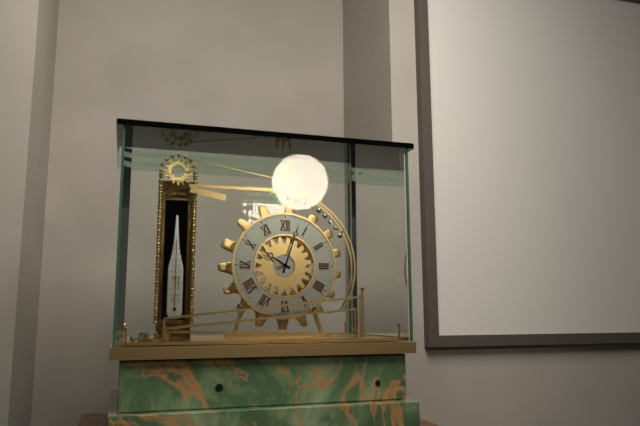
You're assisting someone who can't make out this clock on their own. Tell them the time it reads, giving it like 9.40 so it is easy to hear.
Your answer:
10.03
